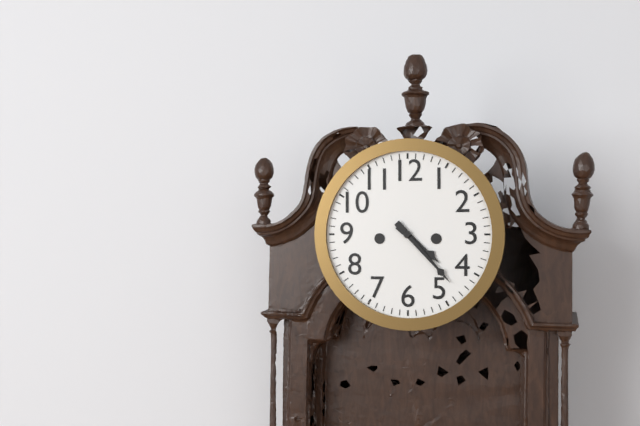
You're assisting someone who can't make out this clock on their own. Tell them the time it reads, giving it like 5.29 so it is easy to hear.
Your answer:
4.23
